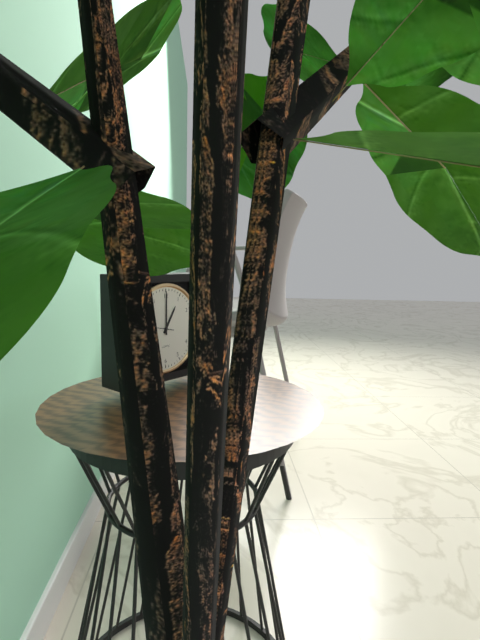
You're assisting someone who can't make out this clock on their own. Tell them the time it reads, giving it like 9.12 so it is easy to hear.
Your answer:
1.00
